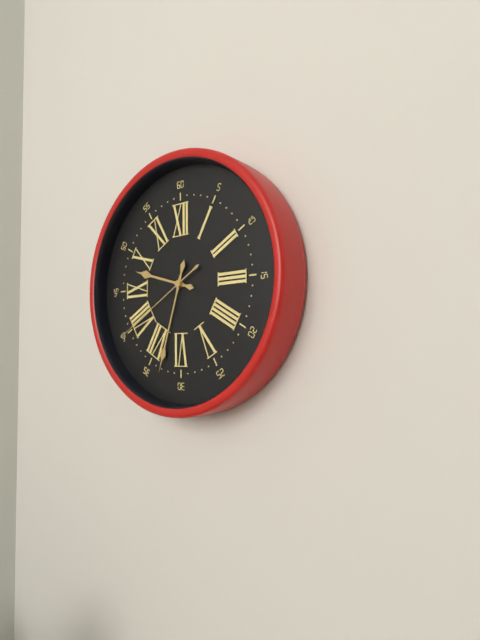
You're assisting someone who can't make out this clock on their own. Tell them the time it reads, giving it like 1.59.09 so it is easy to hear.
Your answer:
9.33.40
